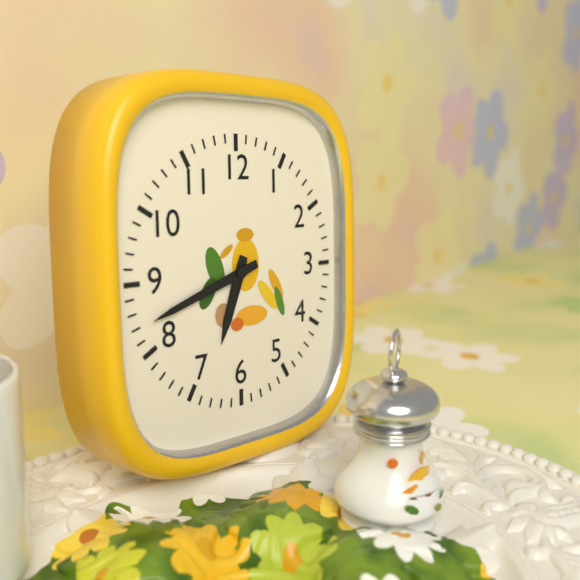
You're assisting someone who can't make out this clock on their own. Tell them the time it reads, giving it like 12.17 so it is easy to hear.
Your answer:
6.42
